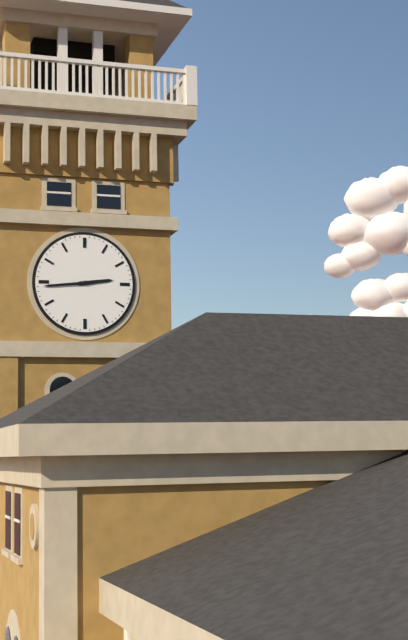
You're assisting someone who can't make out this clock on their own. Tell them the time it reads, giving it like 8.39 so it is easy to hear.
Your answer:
2.44
